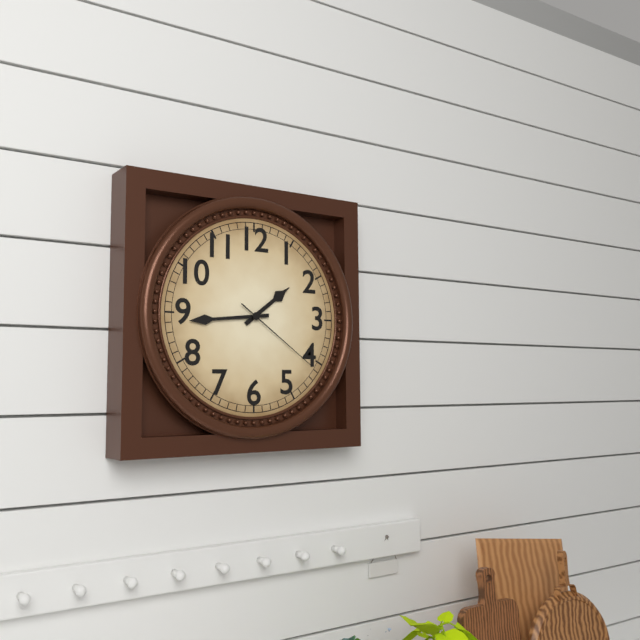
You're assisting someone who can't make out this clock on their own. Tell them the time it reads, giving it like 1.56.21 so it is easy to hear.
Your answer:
1.44.21
